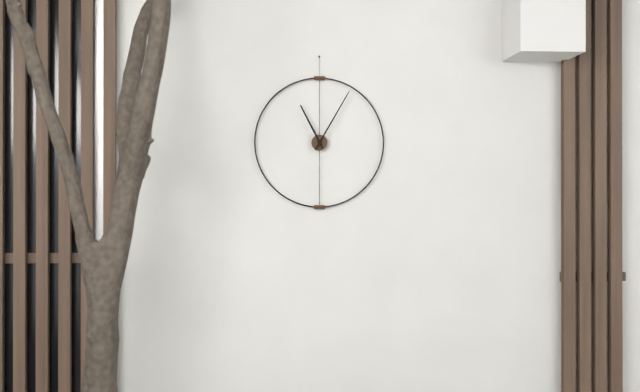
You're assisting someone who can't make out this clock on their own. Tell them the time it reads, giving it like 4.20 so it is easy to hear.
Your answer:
11.05
